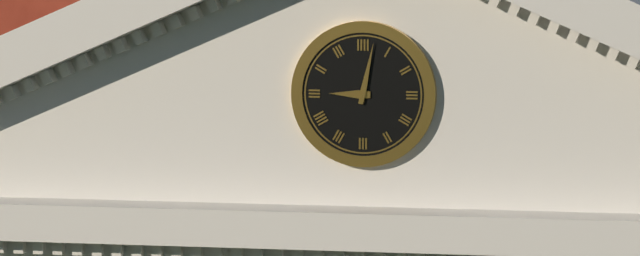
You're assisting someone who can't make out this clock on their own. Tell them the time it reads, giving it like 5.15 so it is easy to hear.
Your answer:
9.02
